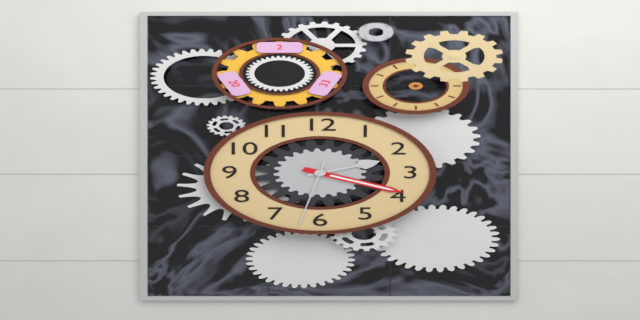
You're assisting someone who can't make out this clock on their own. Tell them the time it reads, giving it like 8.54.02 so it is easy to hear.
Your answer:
2.19.32
